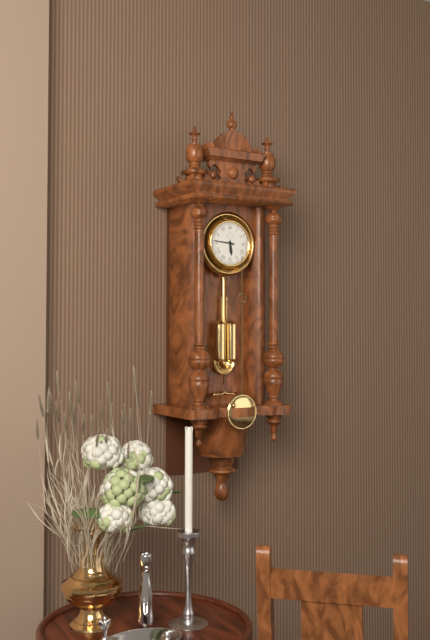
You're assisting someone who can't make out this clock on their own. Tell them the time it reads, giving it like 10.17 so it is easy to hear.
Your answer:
5.46
